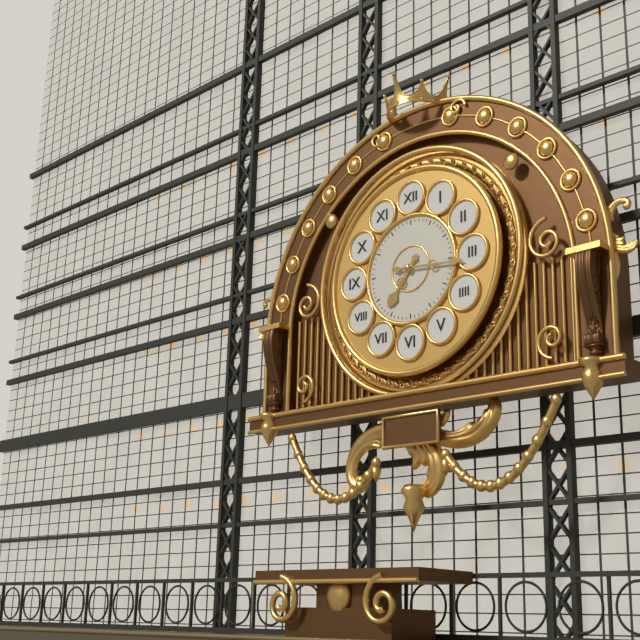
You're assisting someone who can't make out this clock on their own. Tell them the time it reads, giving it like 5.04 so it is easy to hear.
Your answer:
7.16
